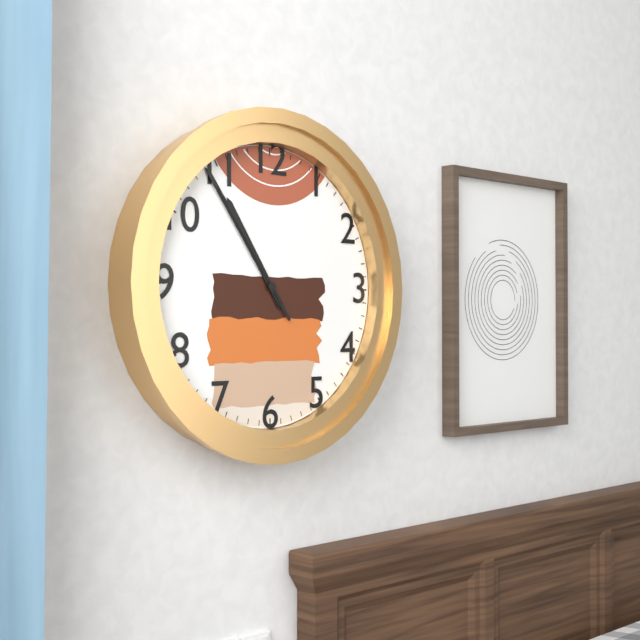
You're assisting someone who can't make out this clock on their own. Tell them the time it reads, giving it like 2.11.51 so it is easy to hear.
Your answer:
10.54.54
